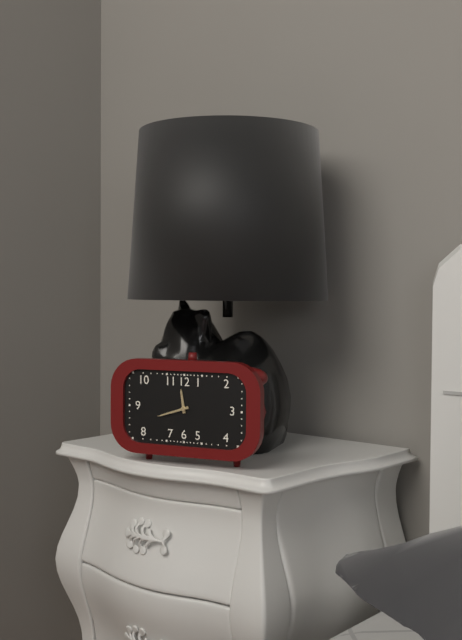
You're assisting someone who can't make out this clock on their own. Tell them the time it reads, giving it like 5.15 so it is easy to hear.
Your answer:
11.42
